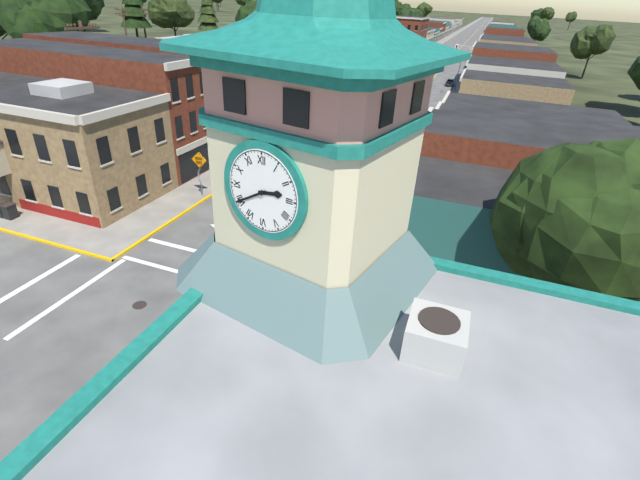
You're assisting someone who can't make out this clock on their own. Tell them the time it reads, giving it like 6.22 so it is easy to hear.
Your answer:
2.40
